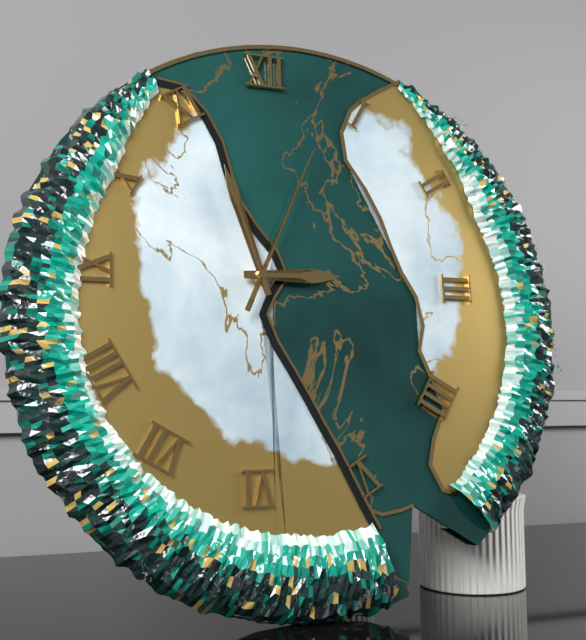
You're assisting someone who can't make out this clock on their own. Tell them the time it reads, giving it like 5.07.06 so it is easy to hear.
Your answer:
2.57.04
